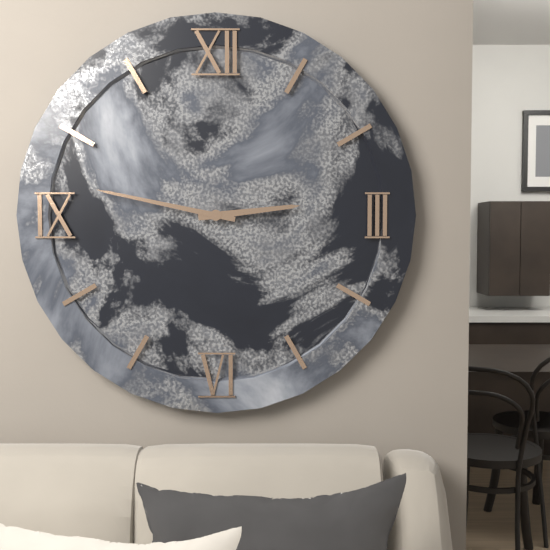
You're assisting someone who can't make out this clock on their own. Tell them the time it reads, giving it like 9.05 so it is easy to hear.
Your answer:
2.47
